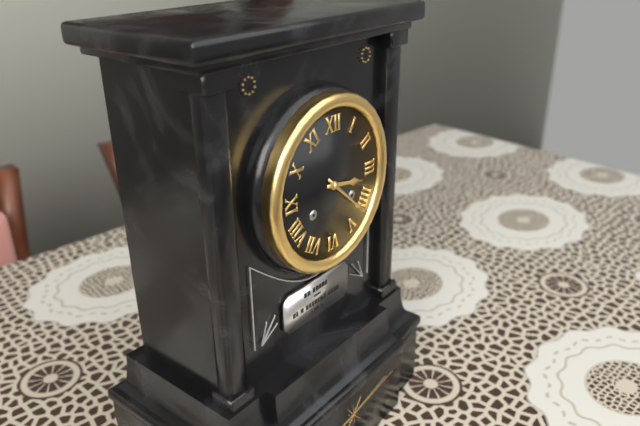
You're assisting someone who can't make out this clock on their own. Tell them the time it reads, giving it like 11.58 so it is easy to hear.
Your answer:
3.22
